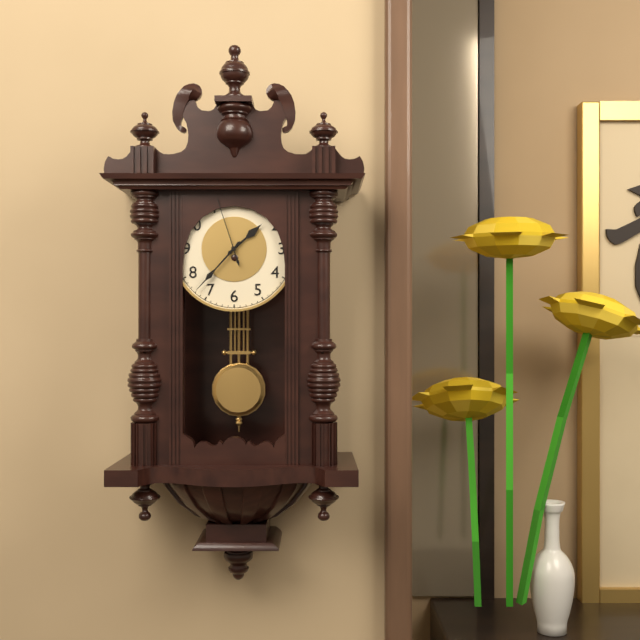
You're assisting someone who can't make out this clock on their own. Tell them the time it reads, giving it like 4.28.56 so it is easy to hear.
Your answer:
1.37.57
